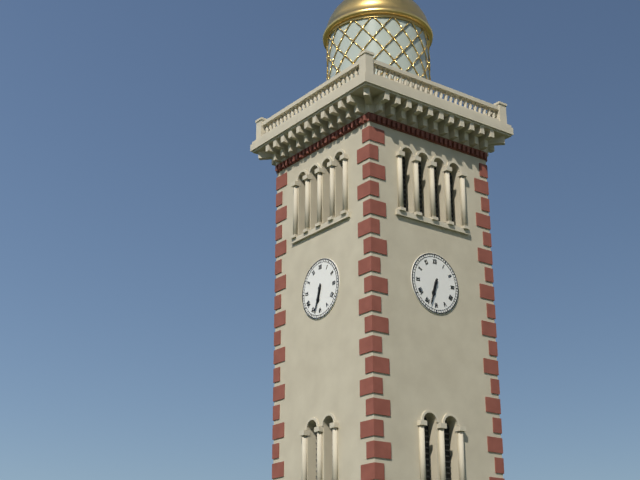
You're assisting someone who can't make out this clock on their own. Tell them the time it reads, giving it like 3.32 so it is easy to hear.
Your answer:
6.33
